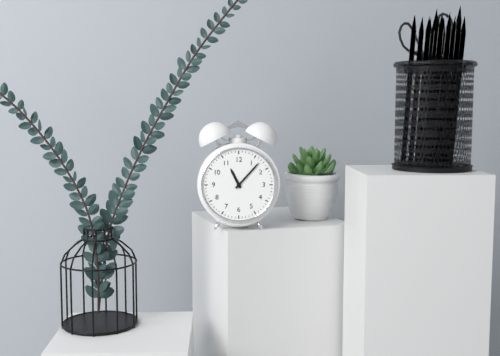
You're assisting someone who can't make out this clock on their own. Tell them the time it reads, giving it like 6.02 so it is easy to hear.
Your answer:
11.07
